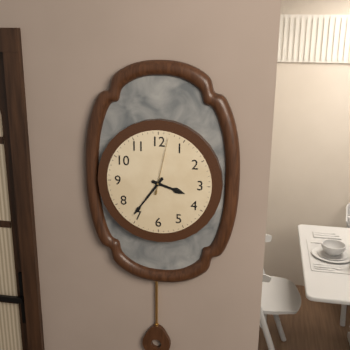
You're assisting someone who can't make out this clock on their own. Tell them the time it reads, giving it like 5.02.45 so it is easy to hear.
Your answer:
3.36.02
